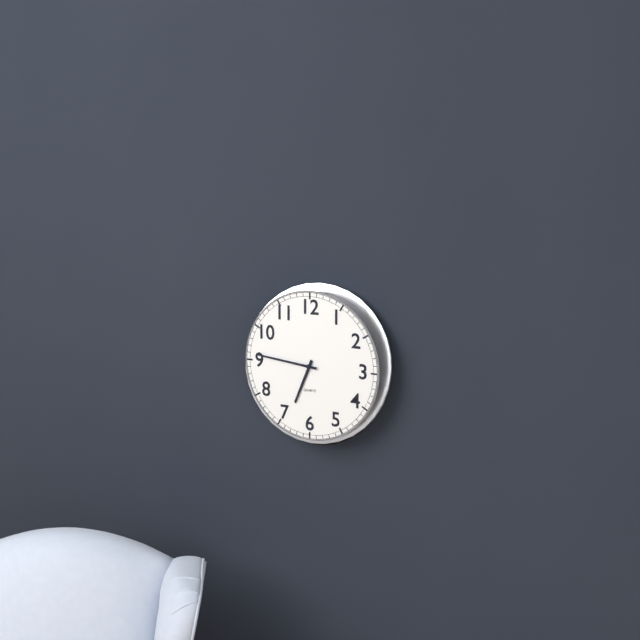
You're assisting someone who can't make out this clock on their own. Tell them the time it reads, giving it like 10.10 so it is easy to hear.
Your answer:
6.46
